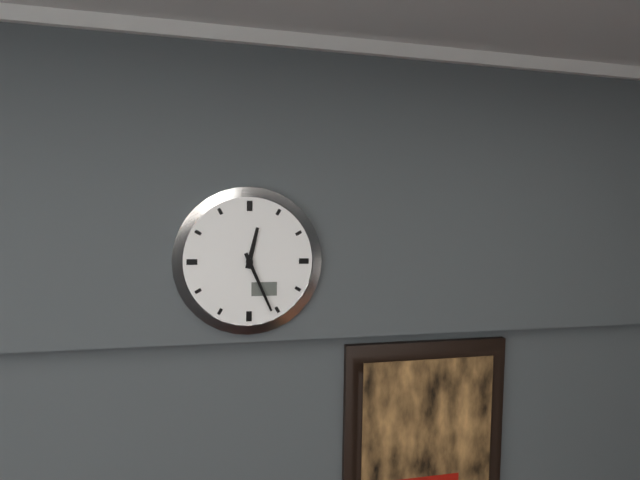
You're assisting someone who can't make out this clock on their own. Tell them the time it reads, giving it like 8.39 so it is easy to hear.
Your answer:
12.26
